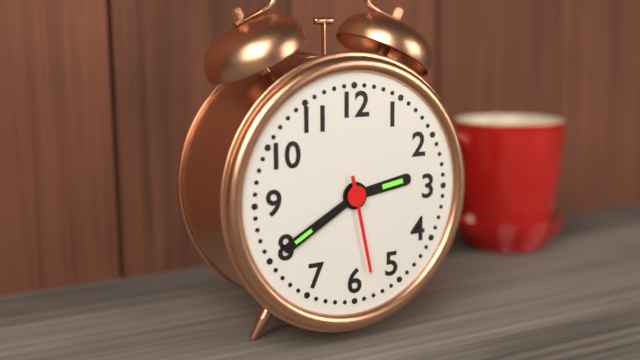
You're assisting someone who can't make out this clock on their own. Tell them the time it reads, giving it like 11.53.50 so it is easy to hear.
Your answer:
2.40.28
